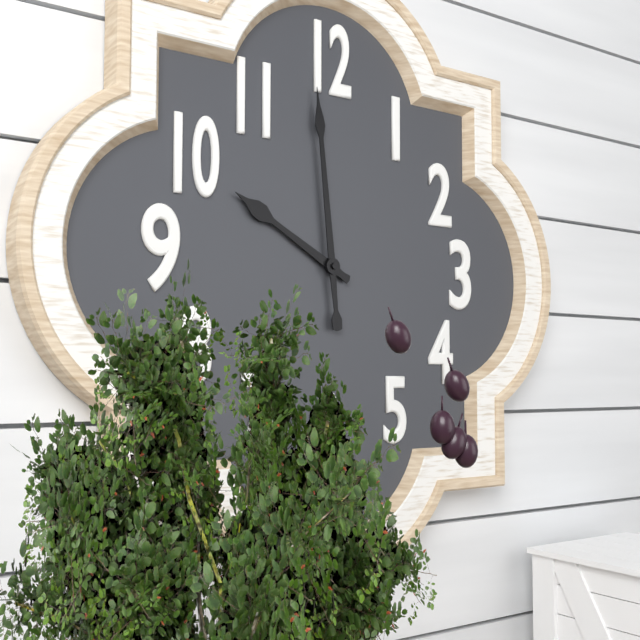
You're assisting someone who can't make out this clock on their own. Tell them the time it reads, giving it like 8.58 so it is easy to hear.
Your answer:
9.59
